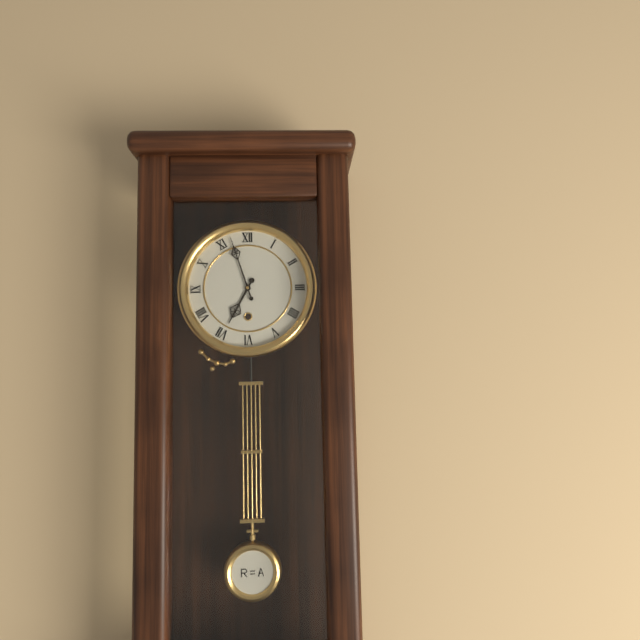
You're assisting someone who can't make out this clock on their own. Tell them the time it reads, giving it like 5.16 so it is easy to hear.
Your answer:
6.57
